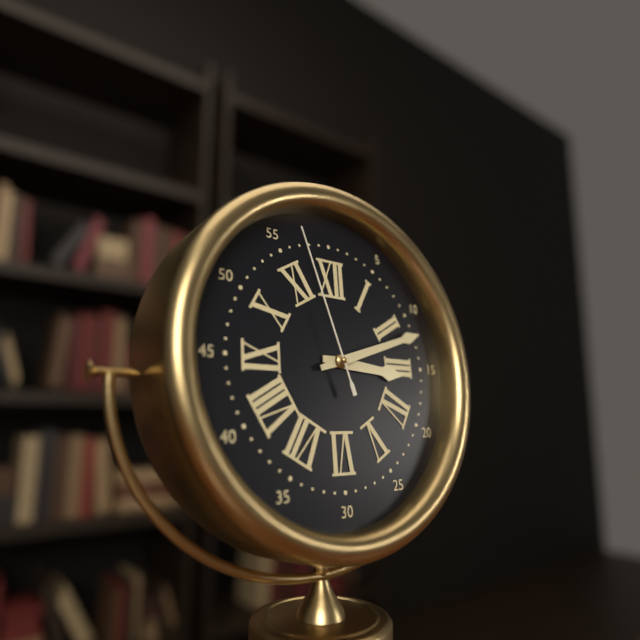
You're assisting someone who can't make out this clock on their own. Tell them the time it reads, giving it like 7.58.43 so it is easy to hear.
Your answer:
3.12.57
